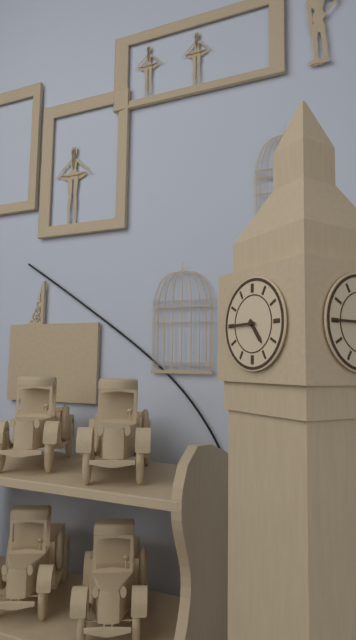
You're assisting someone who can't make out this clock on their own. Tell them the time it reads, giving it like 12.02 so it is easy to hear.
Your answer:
4.45
